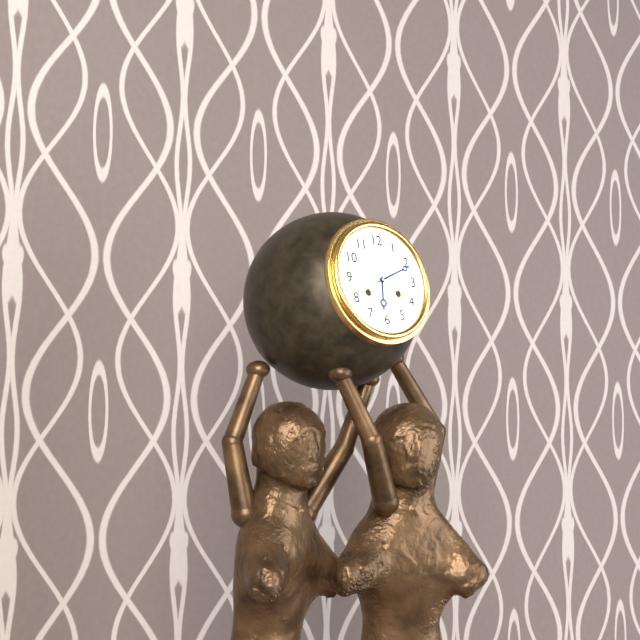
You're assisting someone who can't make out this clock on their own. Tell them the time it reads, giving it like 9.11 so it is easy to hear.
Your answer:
6.11
